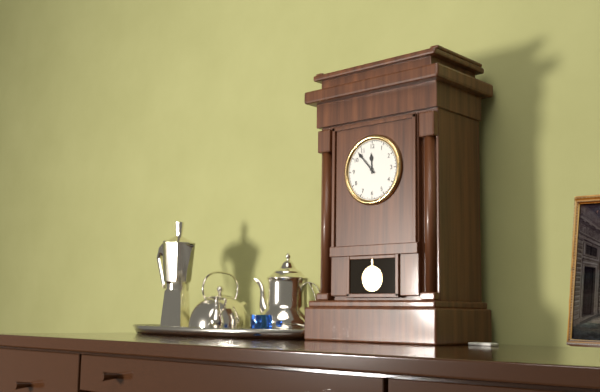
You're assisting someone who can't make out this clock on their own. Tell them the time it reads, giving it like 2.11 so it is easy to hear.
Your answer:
11.53
